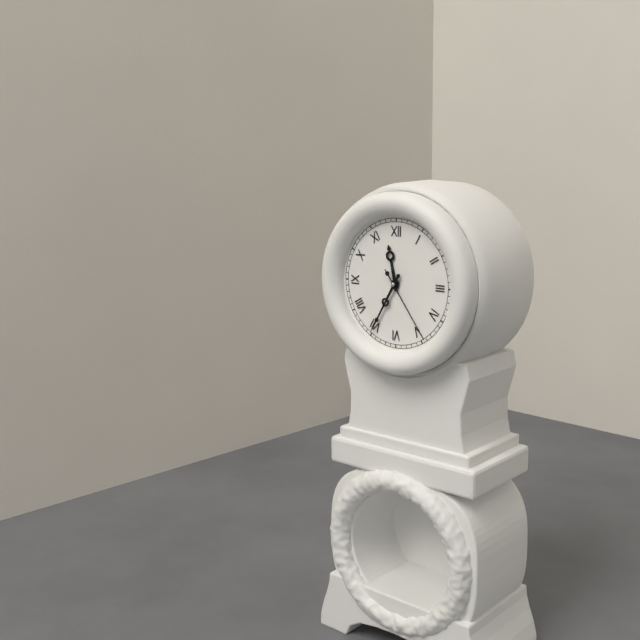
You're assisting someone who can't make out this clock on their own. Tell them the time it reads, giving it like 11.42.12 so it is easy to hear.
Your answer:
11.35.24
